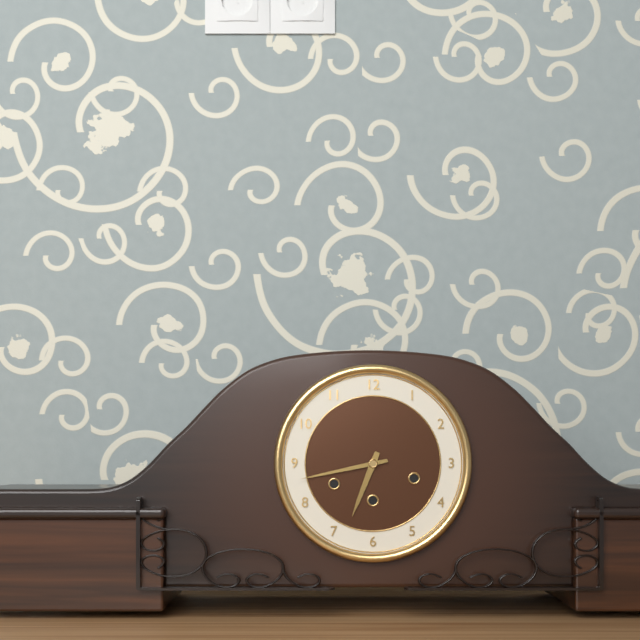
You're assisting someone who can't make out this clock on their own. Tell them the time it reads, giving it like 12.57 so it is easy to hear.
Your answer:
6.43
